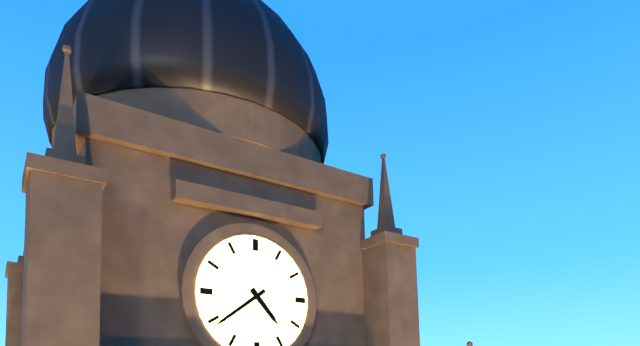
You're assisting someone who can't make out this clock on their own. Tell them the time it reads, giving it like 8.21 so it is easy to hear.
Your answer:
4.39
